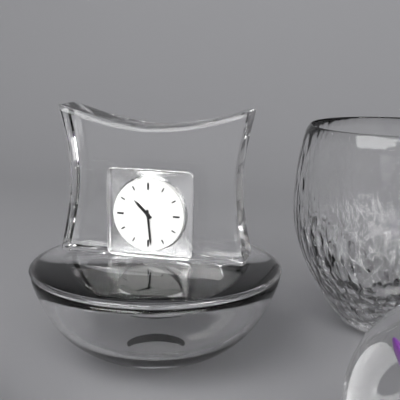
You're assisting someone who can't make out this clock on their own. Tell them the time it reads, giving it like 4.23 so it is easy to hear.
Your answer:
10.29
